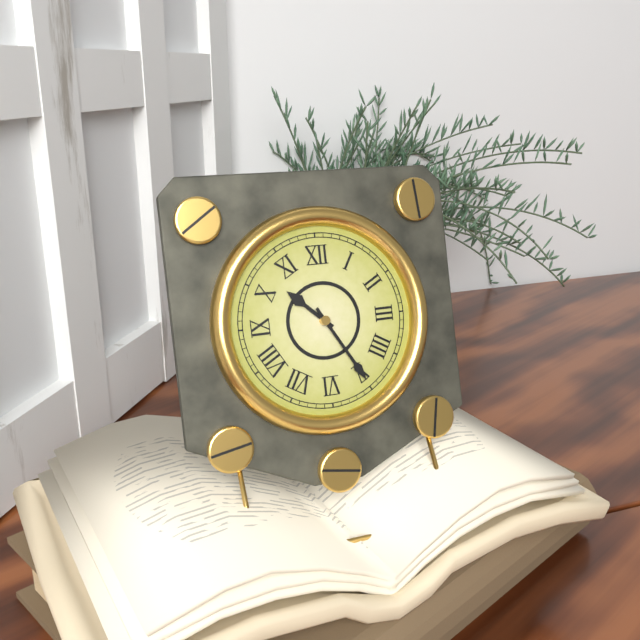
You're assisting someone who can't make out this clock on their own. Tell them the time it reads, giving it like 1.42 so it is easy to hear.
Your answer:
10.25
